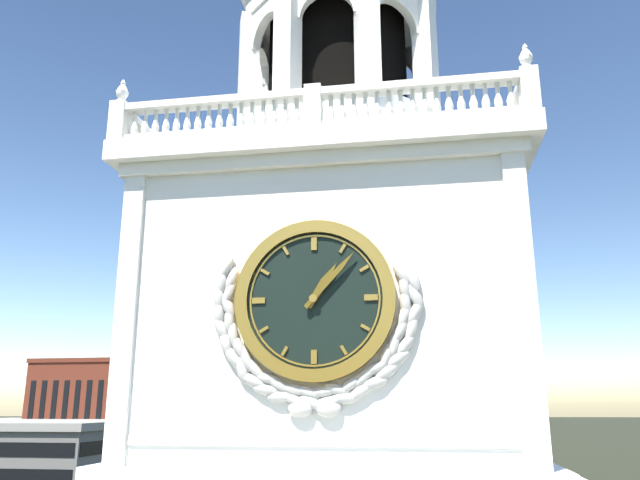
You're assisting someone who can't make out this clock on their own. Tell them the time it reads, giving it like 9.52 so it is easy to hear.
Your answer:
1.07
